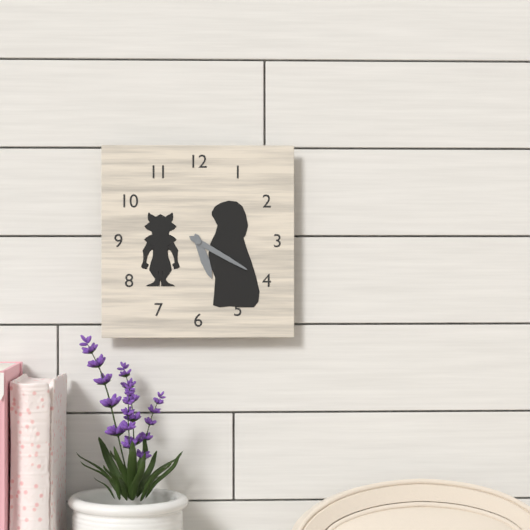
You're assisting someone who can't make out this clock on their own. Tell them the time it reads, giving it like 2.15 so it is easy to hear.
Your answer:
5.20
